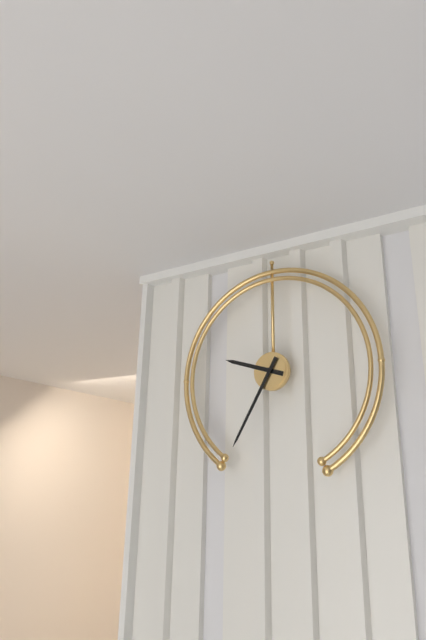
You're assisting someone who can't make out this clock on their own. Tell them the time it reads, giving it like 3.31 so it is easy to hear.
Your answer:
9.35
